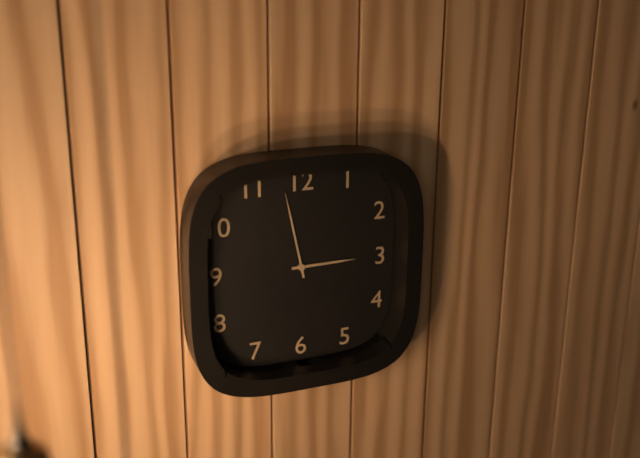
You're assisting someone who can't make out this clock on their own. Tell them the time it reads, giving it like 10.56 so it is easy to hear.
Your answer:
2.58
